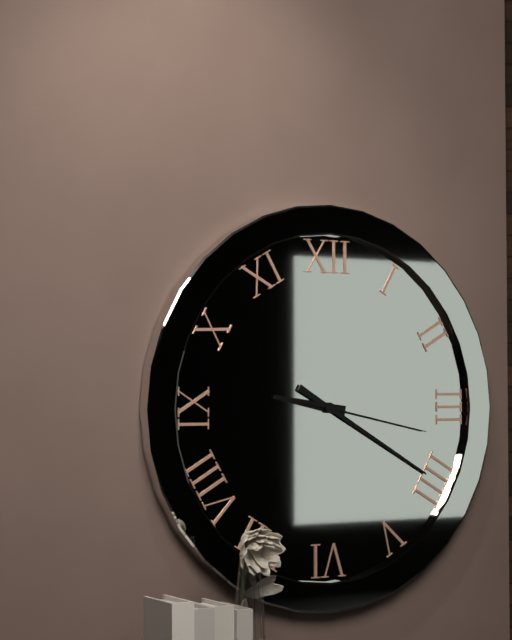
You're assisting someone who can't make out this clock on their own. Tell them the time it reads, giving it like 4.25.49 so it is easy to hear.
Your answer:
9.20.17
